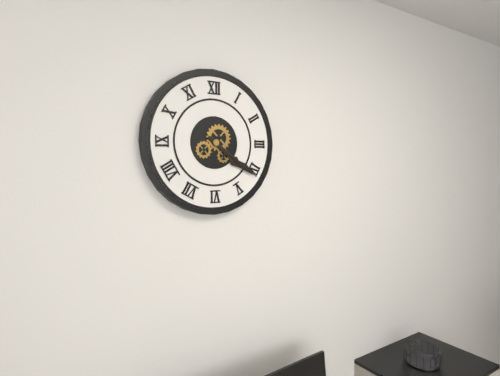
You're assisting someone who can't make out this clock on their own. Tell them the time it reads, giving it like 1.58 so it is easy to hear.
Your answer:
4.21
